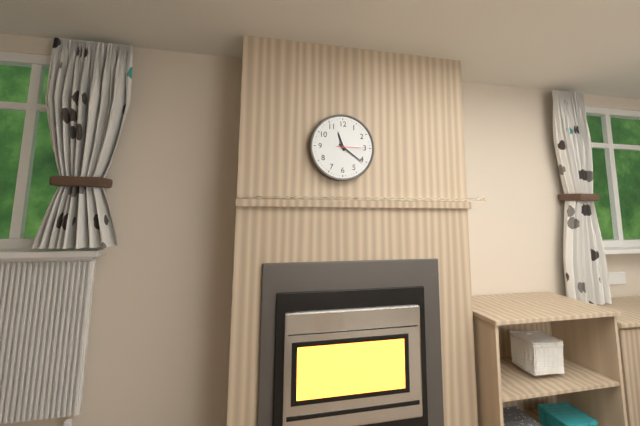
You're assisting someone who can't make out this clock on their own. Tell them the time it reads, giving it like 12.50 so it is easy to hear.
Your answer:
11.21
